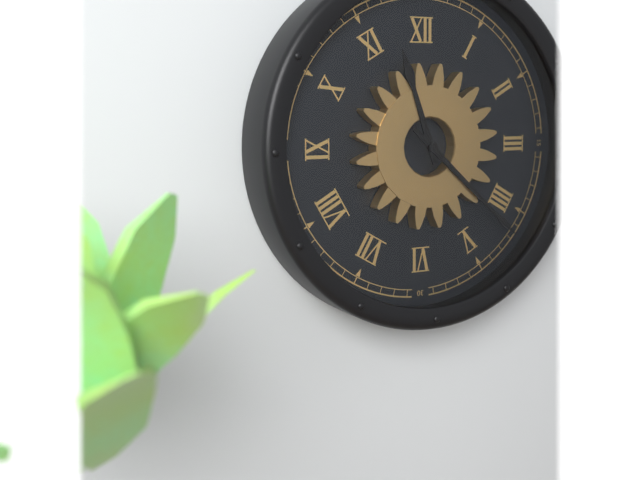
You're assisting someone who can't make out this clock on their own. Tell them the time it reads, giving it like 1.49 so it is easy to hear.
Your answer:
11.22
